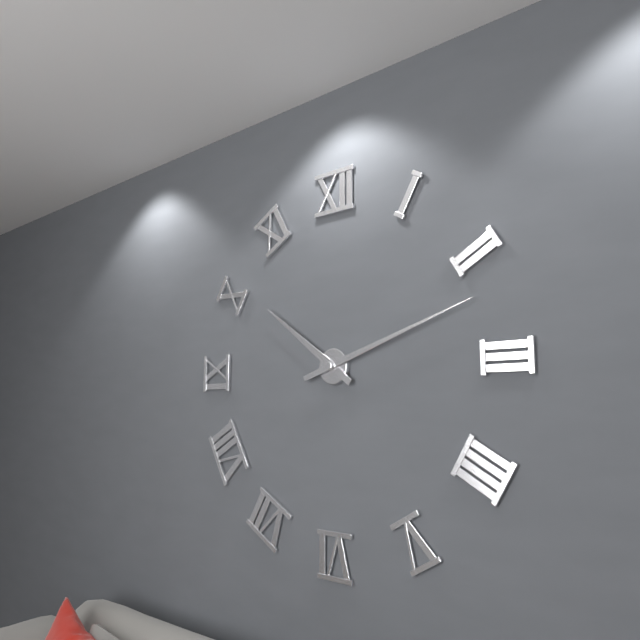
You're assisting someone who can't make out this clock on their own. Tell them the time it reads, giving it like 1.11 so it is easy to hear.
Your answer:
10.12
